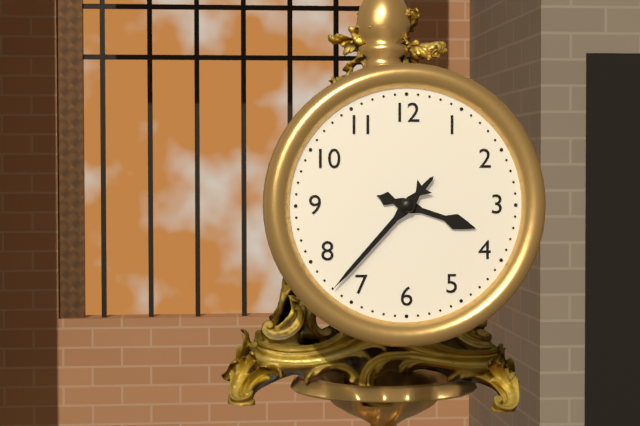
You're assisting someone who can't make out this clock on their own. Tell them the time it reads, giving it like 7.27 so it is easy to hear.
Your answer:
3.37
